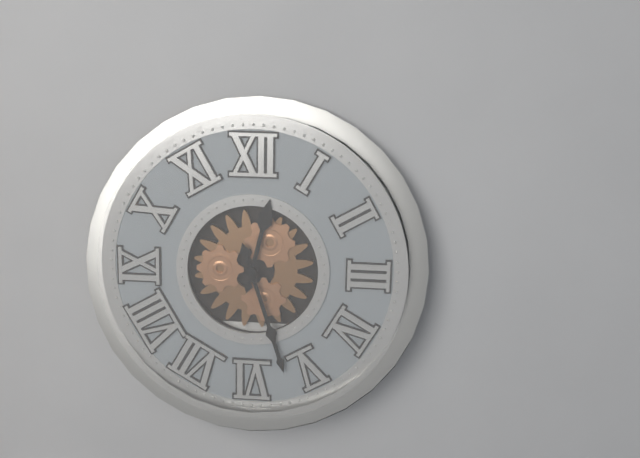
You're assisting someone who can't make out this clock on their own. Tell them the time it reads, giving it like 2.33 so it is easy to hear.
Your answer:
12.27
